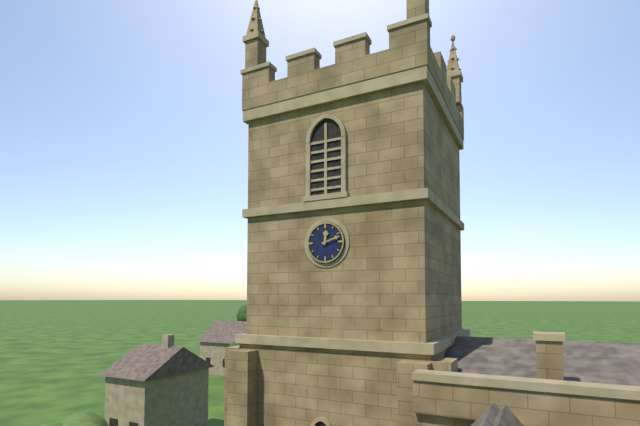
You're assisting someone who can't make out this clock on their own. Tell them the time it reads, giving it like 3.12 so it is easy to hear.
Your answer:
12.12
